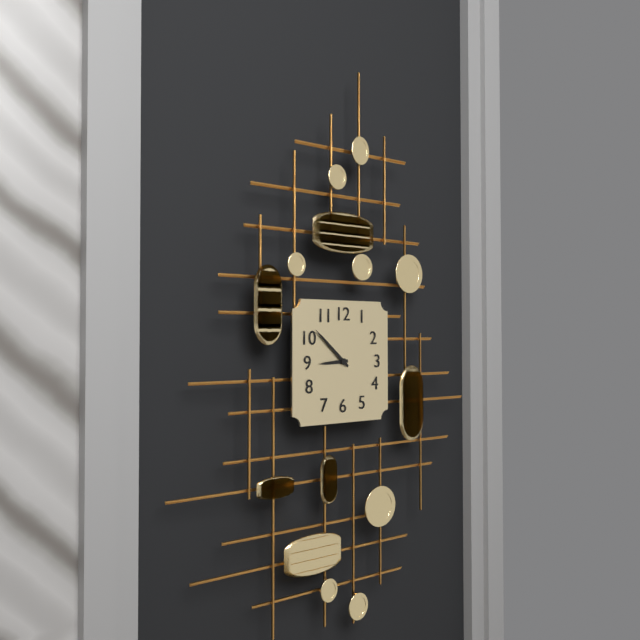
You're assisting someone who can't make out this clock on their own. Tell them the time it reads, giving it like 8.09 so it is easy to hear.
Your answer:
8.52
